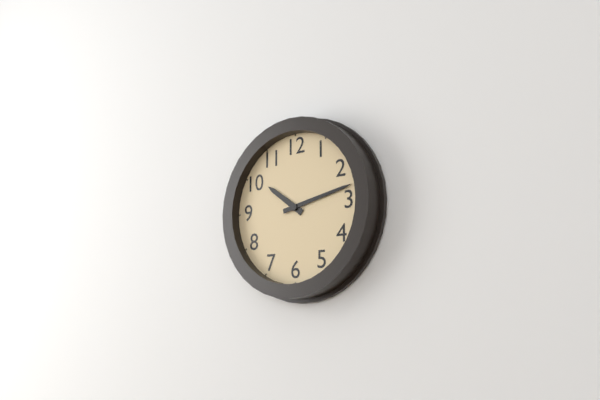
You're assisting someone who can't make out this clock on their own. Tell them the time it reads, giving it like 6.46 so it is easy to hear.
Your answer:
10.13
